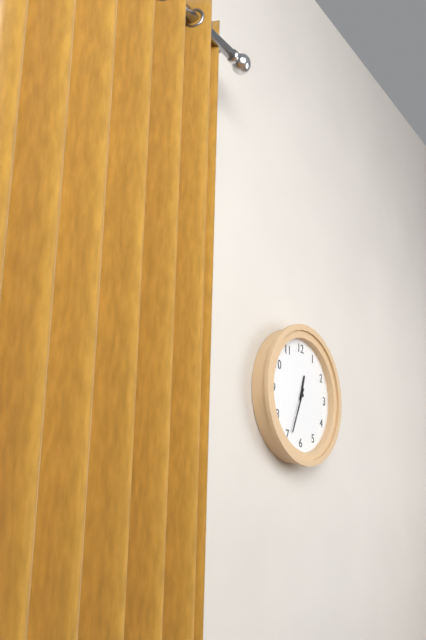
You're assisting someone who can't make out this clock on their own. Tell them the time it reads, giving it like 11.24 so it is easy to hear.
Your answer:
12.34
